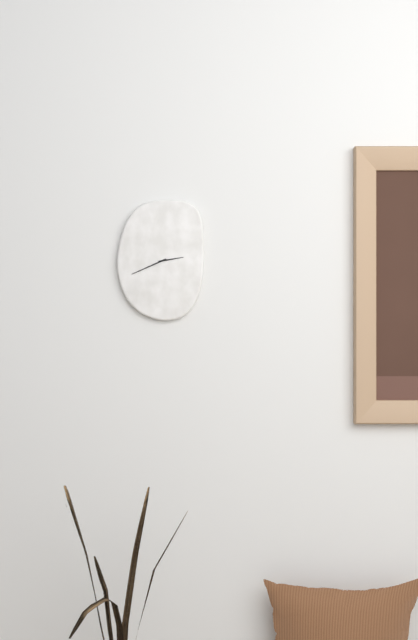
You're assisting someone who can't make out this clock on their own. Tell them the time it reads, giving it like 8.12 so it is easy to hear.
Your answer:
2.41
